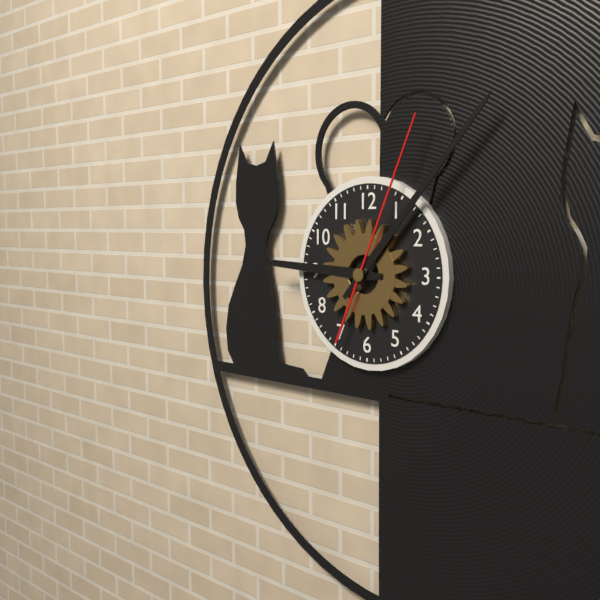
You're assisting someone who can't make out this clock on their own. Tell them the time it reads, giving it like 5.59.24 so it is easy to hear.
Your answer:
9.07.04
